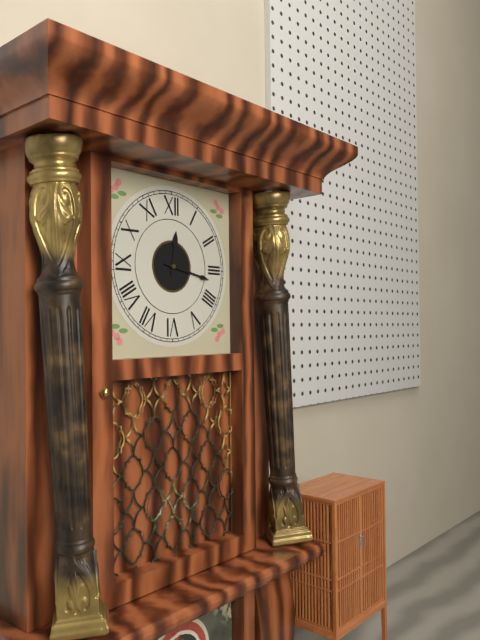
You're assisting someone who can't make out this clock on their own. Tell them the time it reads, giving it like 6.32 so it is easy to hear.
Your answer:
12.17
